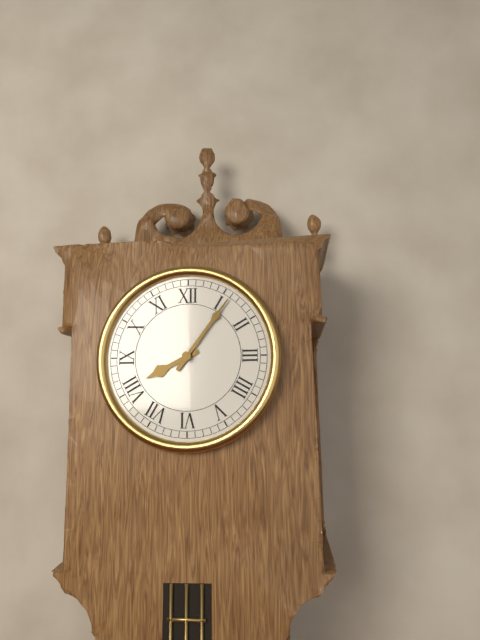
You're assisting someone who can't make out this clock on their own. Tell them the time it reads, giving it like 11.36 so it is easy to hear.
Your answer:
8.06
